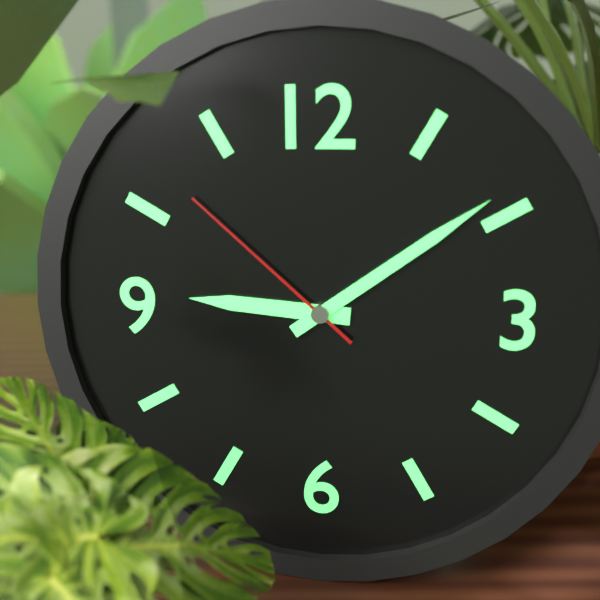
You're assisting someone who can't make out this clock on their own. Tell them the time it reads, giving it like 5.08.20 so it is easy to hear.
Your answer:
9.09.52
